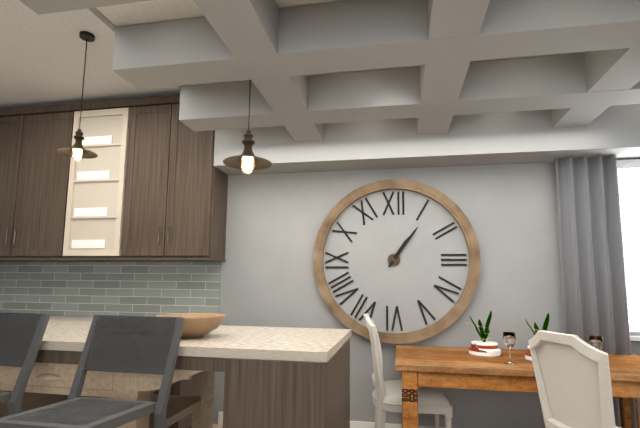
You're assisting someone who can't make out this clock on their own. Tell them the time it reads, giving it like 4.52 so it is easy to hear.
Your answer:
1.06
